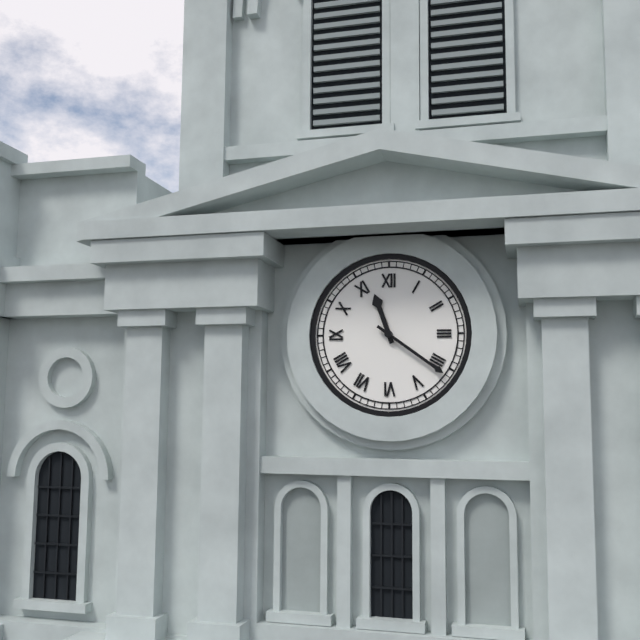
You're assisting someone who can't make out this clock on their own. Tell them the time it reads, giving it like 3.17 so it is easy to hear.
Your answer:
11.21
